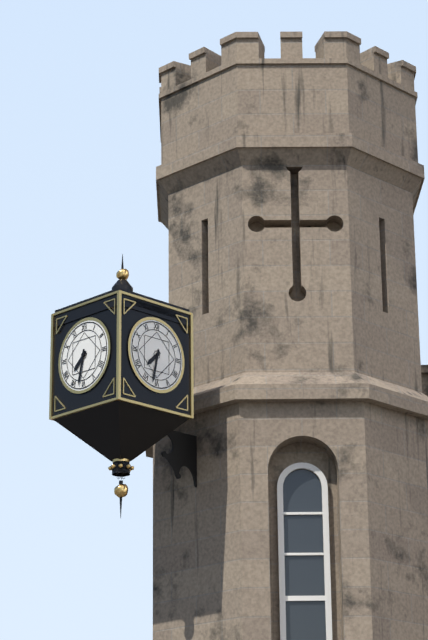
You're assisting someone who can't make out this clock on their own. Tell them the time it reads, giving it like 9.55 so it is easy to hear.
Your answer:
7.32
